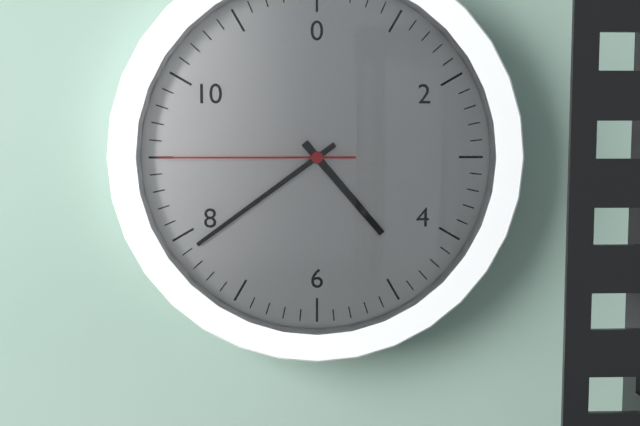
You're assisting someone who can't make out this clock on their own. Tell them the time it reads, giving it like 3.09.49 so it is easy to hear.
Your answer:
4.39.45
